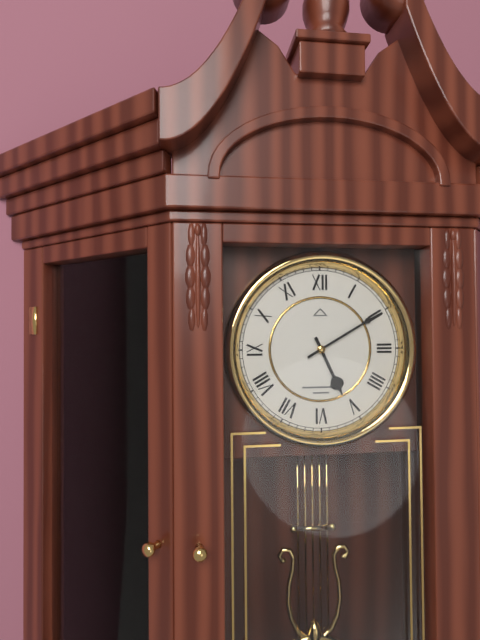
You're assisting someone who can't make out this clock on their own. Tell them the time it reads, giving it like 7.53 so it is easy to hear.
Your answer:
5.10
